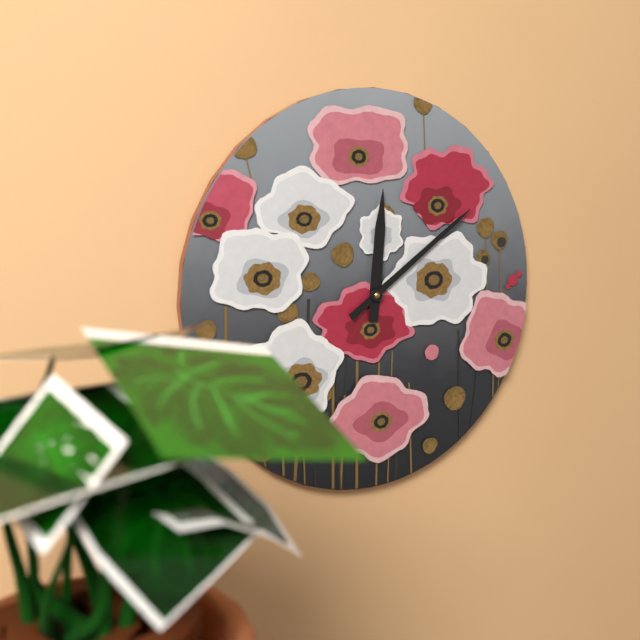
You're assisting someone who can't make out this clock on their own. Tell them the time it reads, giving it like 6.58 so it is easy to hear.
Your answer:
12.09
